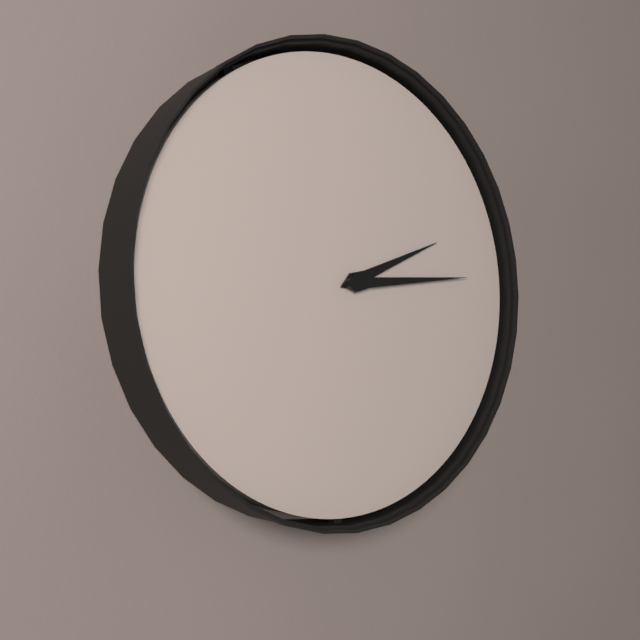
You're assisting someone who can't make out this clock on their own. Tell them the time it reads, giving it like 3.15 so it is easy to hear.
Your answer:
2.14
